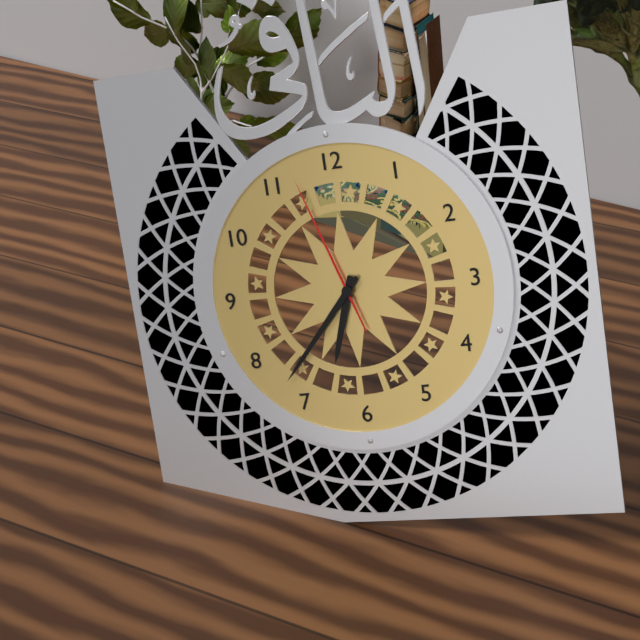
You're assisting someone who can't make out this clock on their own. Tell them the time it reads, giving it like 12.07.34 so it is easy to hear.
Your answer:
6.37.57
